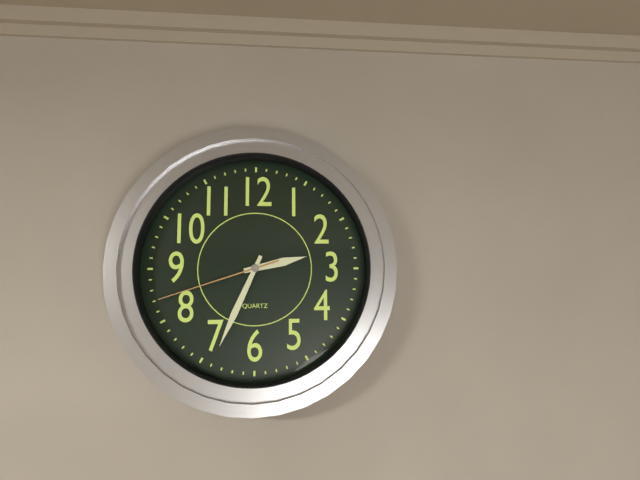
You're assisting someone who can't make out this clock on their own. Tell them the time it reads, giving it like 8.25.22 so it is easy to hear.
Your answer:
2.34.42
